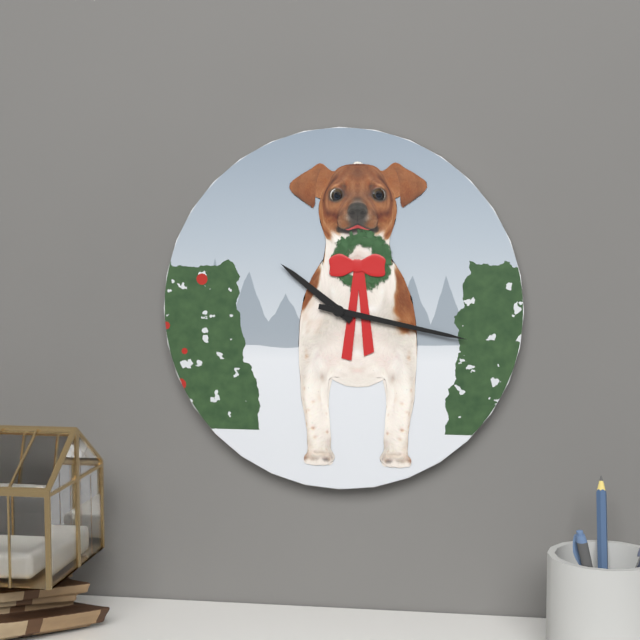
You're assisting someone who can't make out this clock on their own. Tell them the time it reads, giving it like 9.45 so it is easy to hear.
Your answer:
10.17
